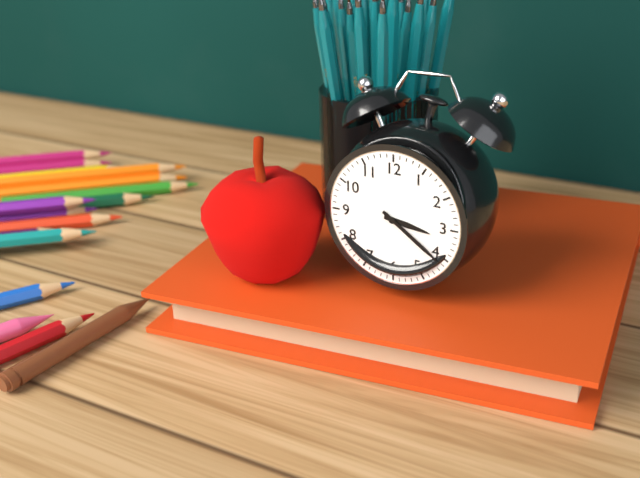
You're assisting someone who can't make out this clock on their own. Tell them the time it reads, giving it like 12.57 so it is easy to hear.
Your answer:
3.21
